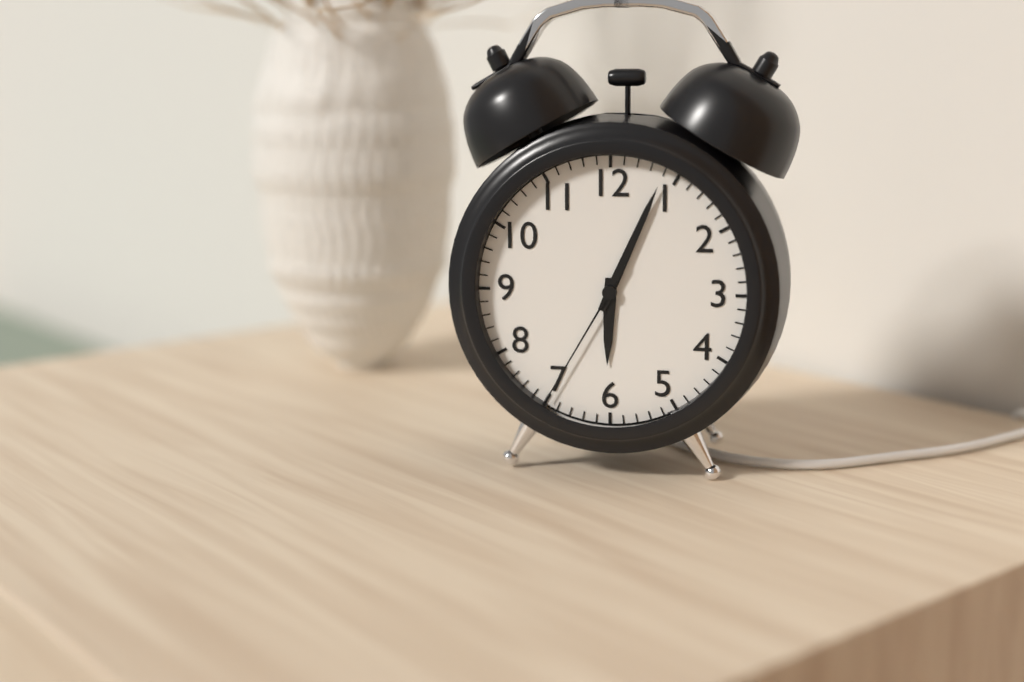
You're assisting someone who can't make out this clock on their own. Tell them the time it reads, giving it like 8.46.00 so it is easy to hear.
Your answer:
6.04.35
